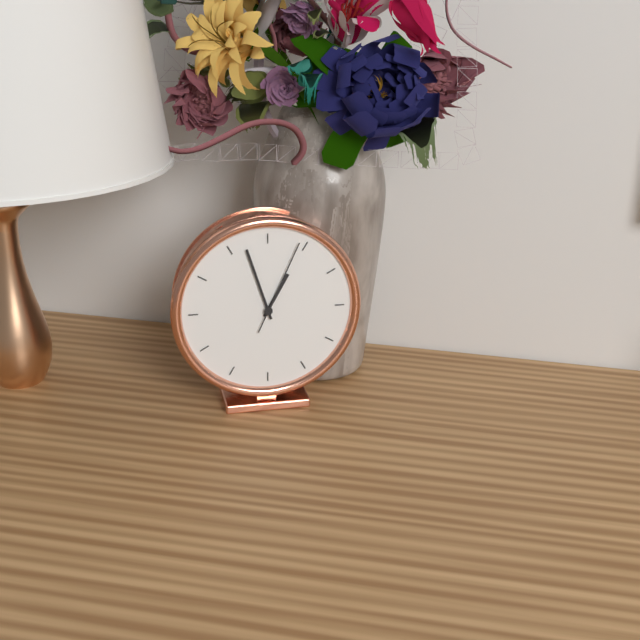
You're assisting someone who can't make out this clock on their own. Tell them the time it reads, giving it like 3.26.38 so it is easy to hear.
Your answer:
12.57.04
